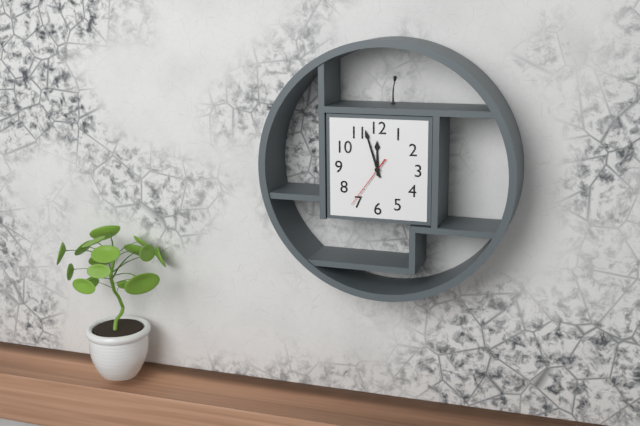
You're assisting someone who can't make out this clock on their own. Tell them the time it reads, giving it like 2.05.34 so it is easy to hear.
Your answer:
11.57.36
